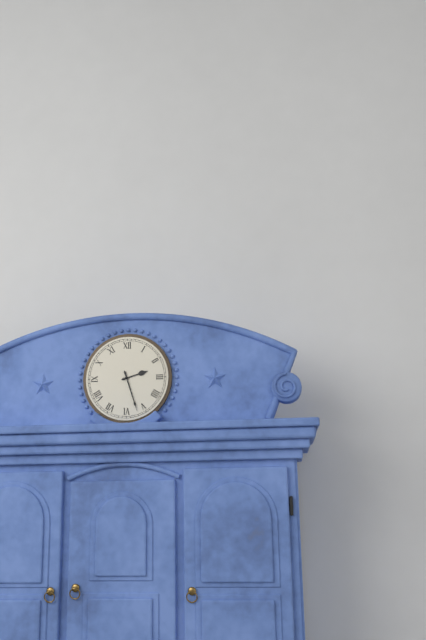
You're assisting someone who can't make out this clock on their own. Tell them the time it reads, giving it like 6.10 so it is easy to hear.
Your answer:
2.27
